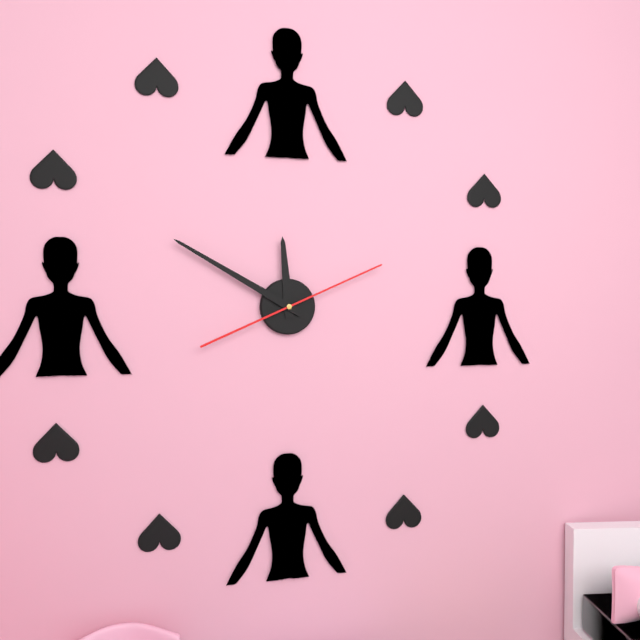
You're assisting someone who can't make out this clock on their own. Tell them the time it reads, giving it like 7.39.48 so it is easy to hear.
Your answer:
11.50.11
